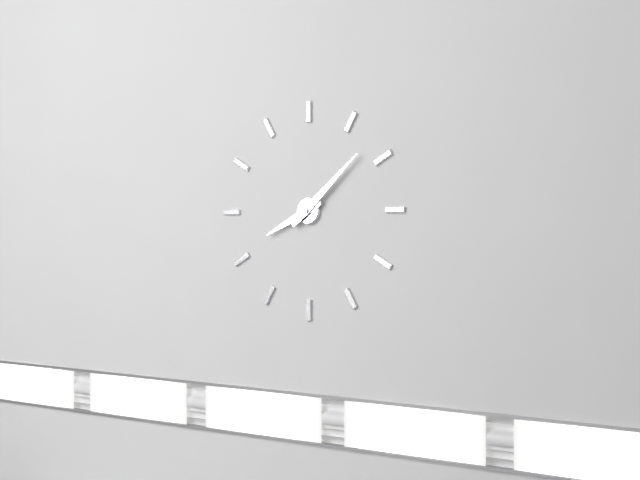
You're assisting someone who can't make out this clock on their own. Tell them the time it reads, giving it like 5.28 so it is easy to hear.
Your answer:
8.08
